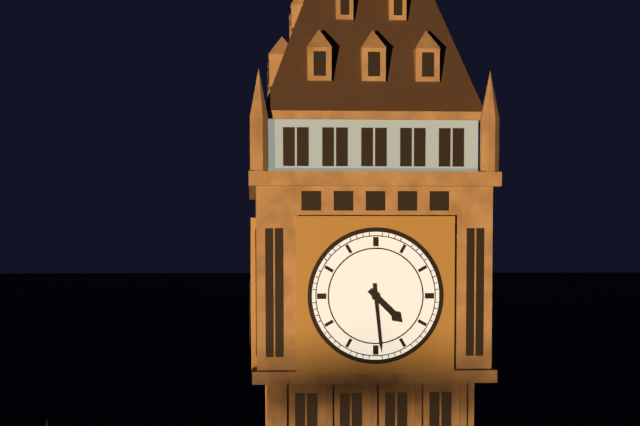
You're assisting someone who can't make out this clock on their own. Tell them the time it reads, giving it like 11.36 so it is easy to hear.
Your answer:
4.29
